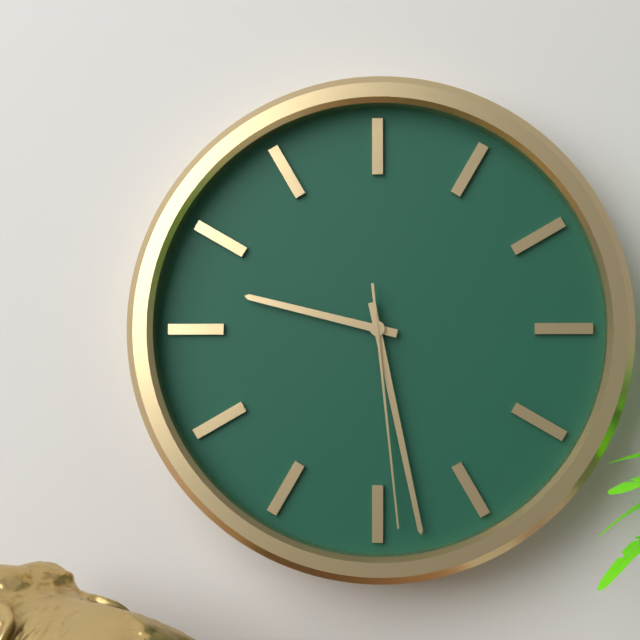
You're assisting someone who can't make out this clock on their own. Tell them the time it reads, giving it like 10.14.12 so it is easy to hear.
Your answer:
9.28.29
